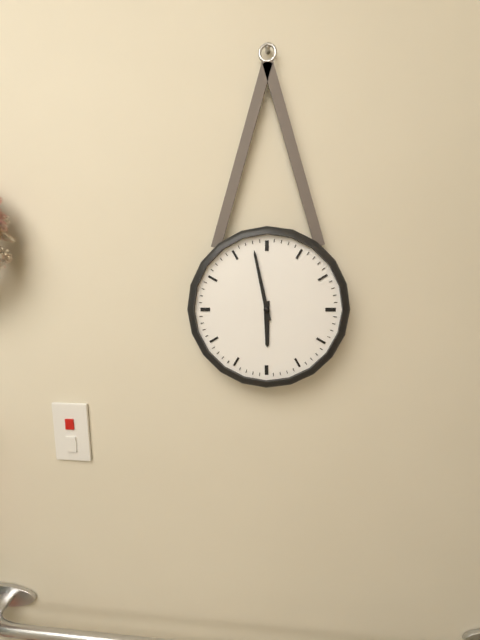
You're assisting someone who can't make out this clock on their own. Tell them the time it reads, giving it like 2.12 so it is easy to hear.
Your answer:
5.58
